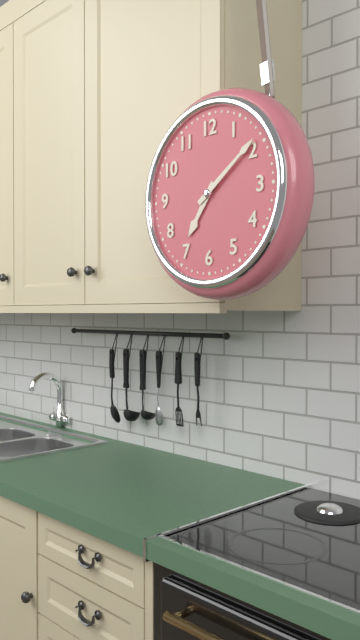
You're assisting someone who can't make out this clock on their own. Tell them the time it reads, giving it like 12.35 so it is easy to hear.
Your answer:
7.09
